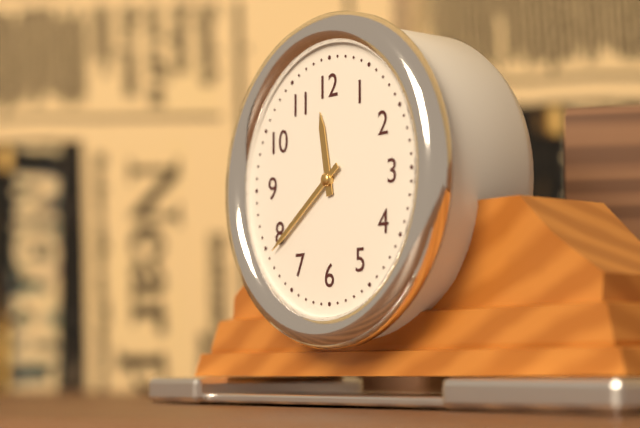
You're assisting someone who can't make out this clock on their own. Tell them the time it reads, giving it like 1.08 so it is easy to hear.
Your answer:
11.39
